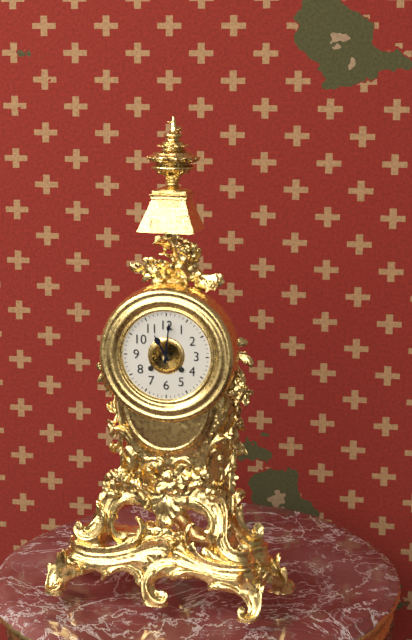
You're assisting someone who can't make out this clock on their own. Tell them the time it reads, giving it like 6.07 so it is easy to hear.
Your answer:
11.01
